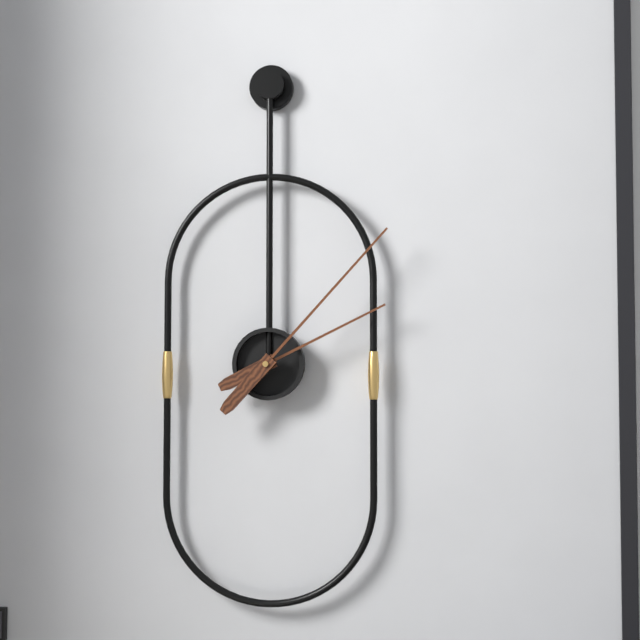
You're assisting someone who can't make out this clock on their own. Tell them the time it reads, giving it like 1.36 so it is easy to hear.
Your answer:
2.07
